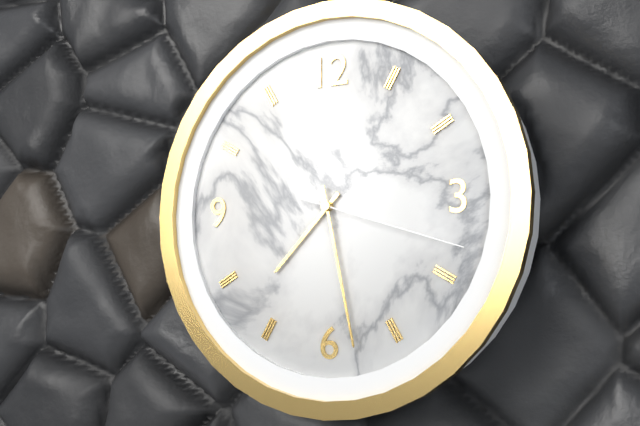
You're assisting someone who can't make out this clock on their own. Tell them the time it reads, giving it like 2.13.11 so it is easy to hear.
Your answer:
7.28.18
